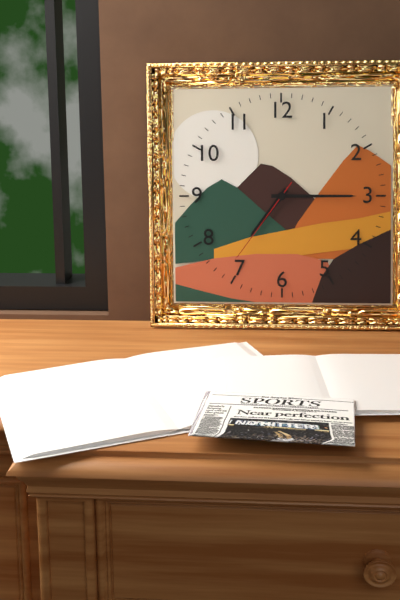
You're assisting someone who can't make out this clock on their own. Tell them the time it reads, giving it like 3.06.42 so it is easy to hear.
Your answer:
7.15.36
